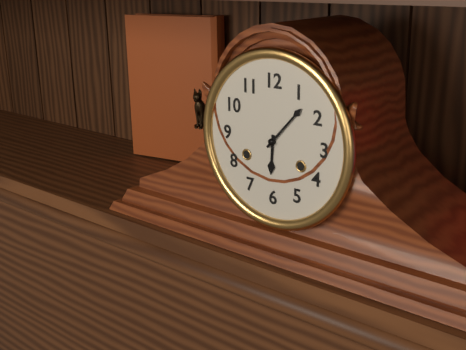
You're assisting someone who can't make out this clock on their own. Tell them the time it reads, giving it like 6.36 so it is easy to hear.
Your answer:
6.07
